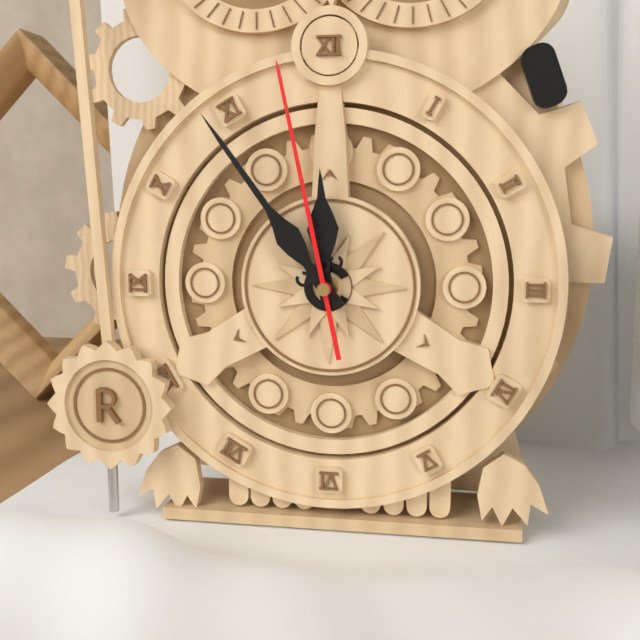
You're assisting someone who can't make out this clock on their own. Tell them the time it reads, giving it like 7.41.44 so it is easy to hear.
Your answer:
11.54.58
